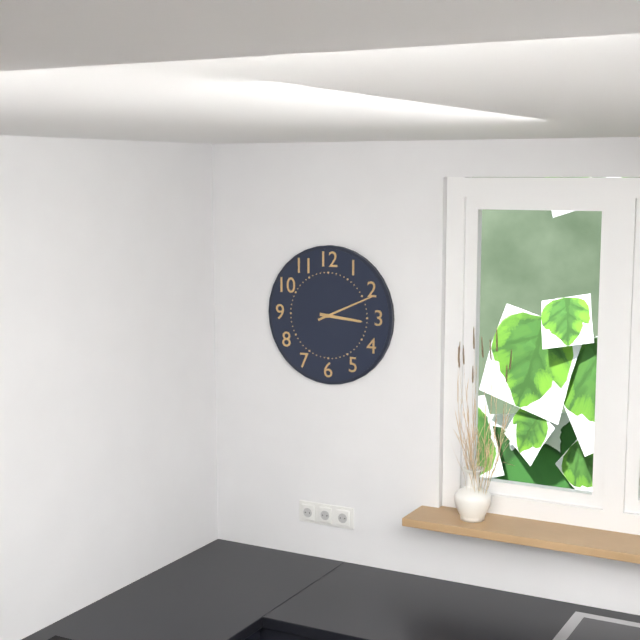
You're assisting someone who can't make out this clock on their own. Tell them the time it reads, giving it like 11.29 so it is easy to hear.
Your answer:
3.11
